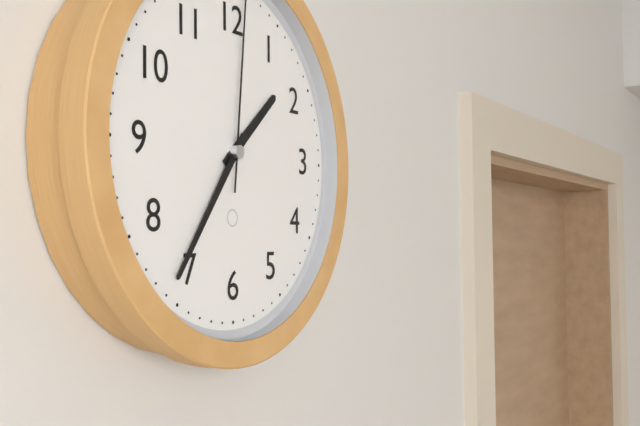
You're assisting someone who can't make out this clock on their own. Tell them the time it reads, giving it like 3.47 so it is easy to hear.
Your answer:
1.36
